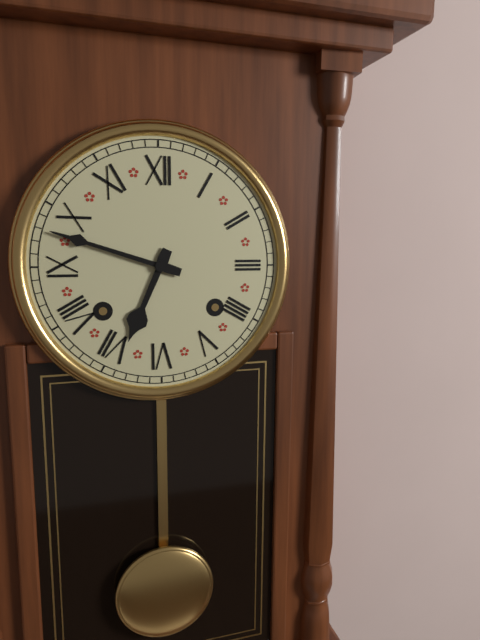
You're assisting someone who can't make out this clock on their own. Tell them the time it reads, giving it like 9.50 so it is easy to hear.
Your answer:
6.48
